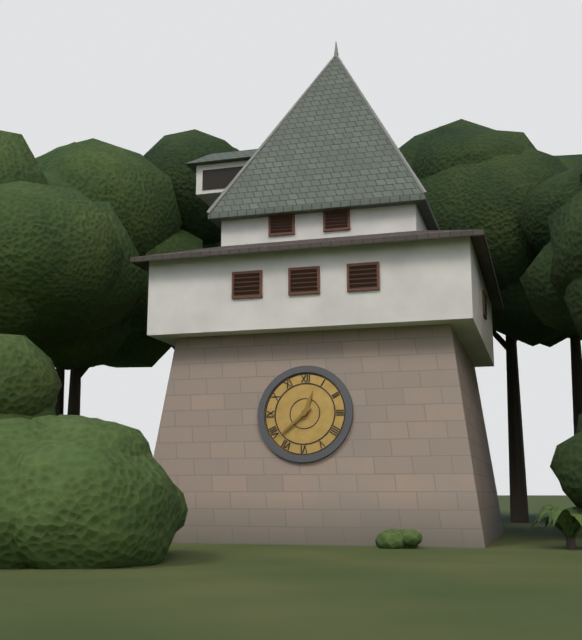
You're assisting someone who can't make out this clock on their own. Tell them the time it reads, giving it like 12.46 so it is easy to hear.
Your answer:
12.38
